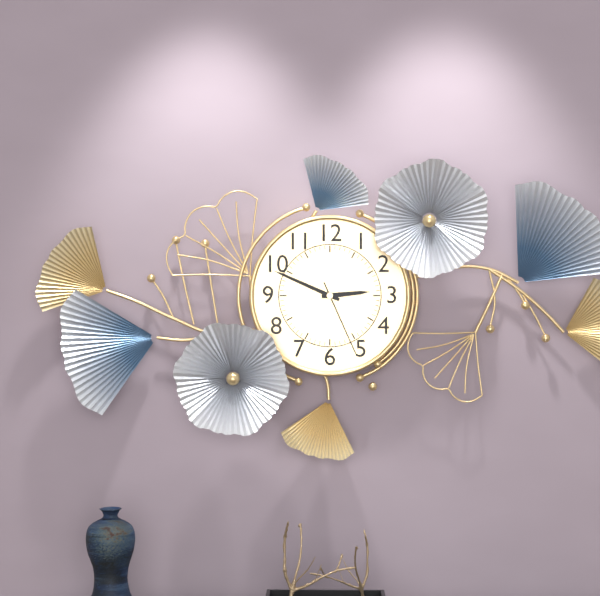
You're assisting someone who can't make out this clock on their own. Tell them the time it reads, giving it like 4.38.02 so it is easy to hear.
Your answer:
2.49.26
